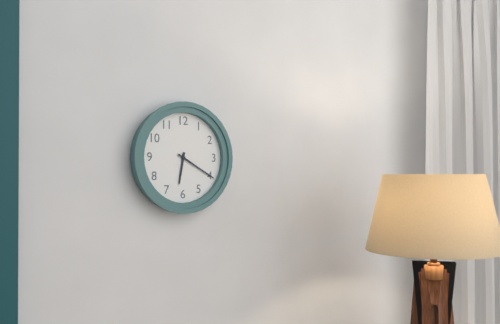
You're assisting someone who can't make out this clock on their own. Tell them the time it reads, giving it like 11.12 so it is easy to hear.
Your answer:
6.20
